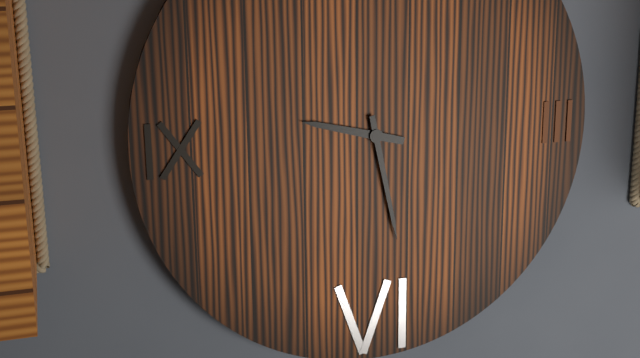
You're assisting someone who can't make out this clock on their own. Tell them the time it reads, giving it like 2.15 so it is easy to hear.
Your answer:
9.28
